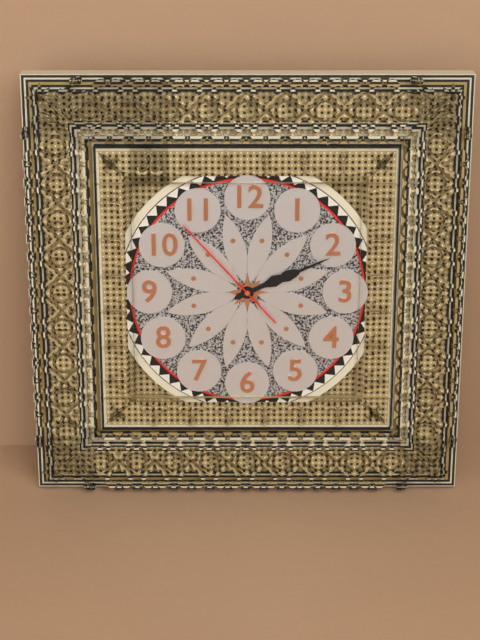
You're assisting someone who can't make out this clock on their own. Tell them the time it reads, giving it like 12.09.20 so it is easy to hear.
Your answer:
2.11.53
